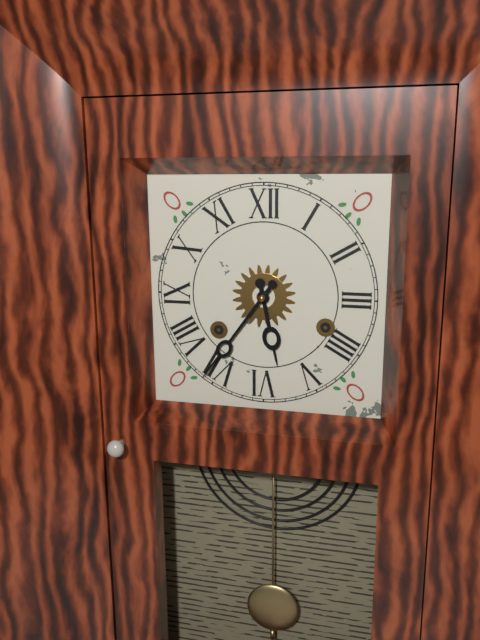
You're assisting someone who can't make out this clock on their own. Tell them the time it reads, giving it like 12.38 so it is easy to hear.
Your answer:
5.36
